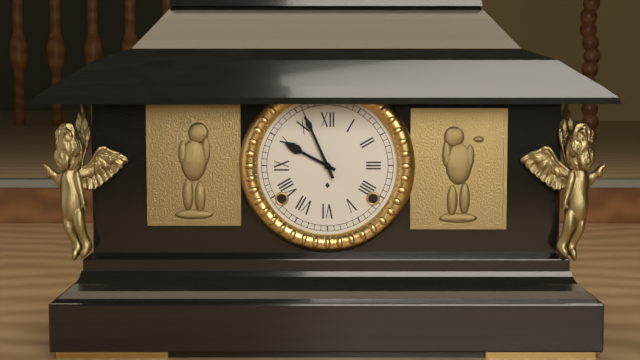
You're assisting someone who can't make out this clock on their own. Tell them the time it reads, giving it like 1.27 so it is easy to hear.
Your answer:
9.56
